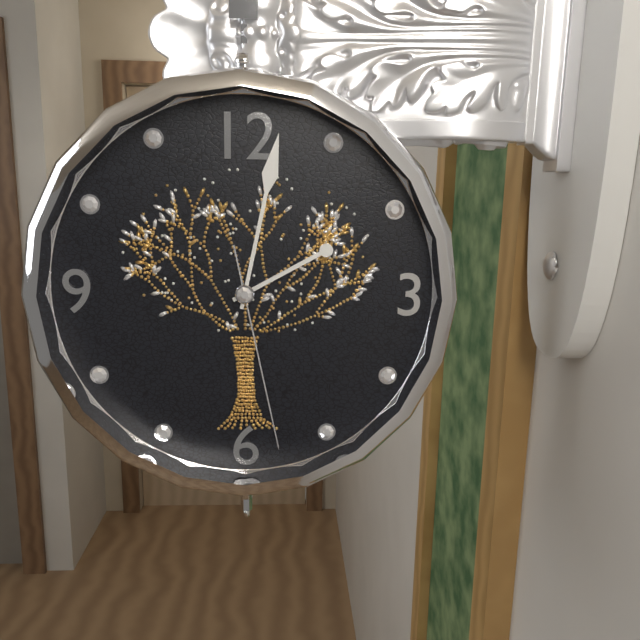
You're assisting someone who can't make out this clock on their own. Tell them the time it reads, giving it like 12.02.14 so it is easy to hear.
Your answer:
2.02.28
